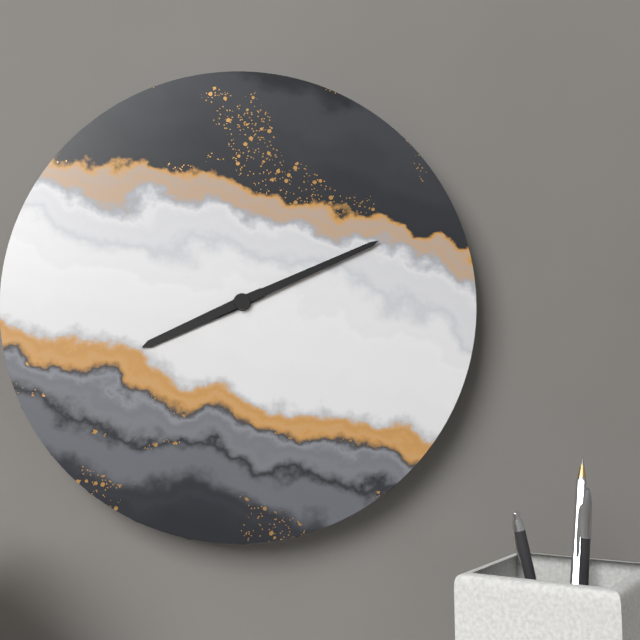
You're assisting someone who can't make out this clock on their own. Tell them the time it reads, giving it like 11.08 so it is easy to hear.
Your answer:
8.11
